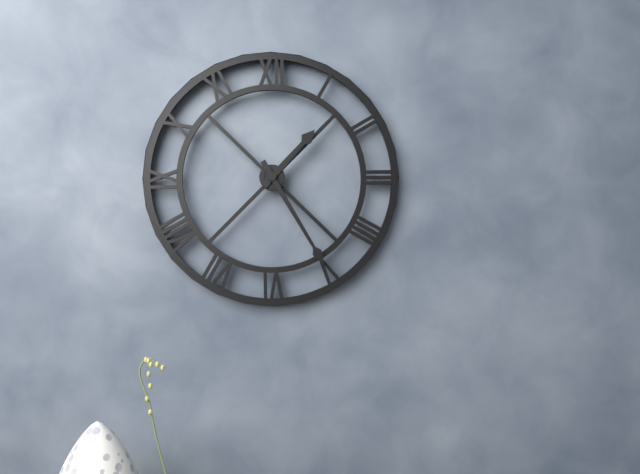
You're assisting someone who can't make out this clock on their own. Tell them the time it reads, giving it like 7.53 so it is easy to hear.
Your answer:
1.25
